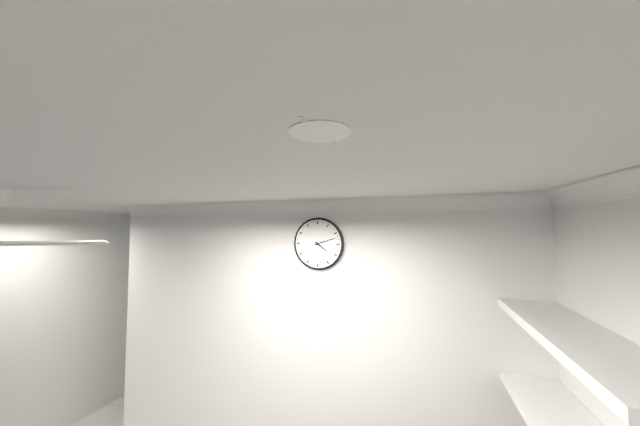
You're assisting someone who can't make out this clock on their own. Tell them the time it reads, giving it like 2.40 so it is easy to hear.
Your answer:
4.12
